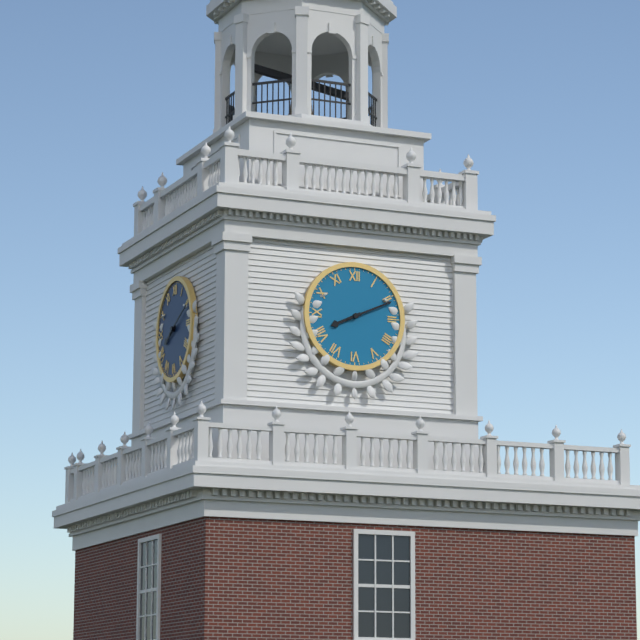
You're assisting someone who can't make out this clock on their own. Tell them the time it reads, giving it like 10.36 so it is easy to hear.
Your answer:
8.11
